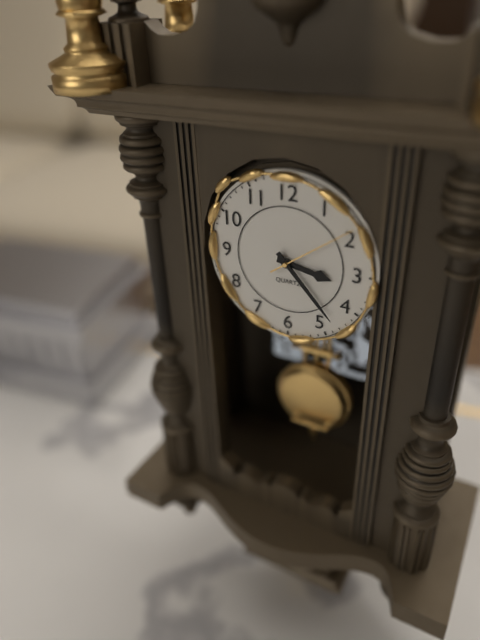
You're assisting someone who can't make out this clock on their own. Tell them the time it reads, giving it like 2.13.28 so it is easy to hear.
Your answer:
3.23.09
